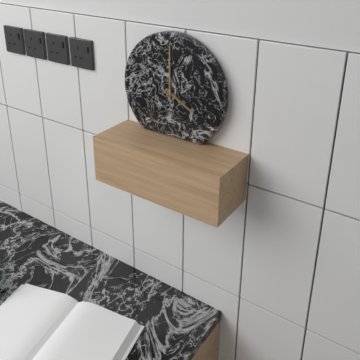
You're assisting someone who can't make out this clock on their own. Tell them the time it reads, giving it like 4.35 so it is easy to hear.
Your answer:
4.00
